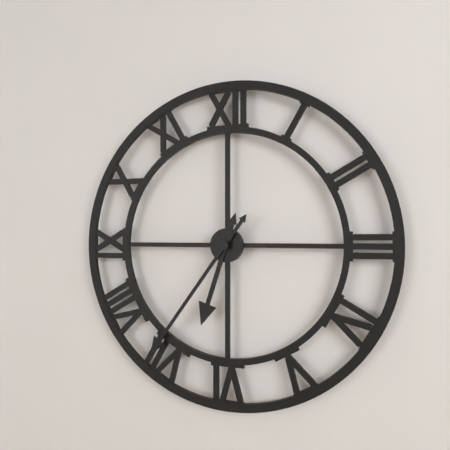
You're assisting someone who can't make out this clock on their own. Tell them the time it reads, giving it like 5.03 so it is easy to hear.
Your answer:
6.36
